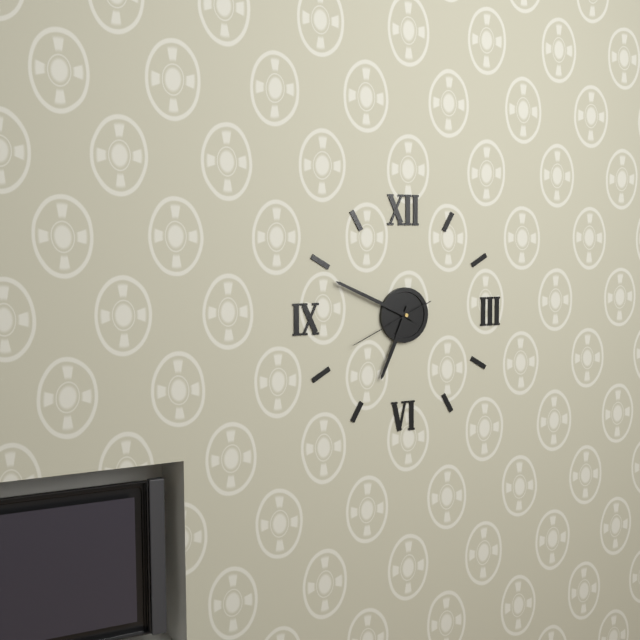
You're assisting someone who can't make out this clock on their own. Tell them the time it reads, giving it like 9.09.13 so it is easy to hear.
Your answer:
6.49.41
